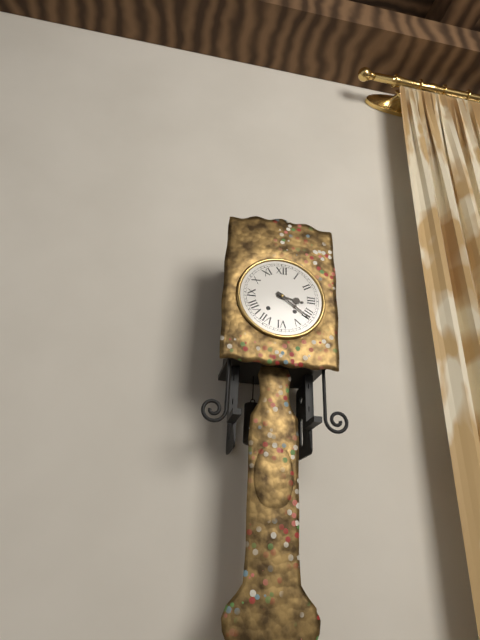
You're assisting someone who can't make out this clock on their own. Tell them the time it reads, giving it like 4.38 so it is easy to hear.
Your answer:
3.21
